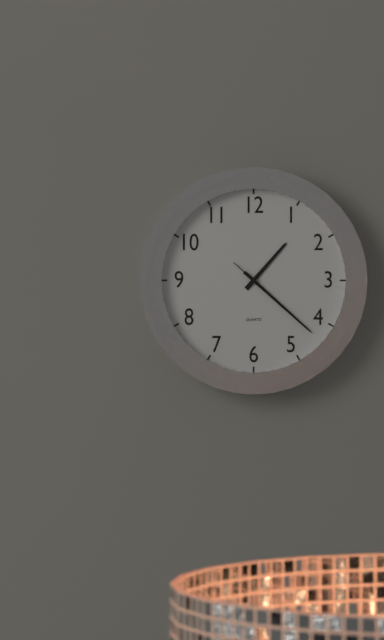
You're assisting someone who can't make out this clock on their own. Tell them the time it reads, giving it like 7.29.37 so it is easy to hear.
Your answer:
1.22.22
